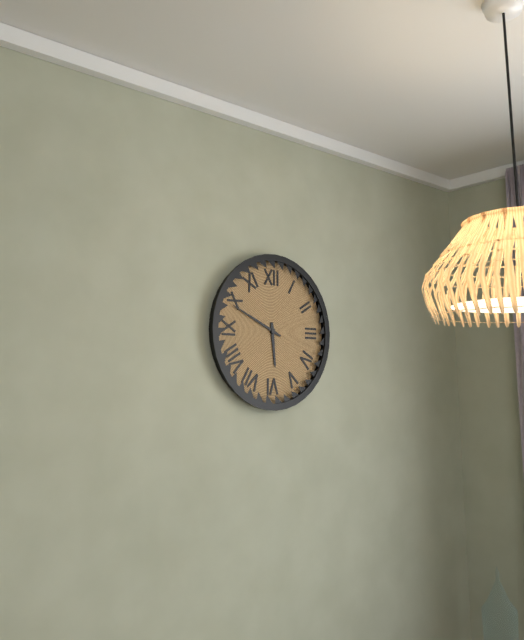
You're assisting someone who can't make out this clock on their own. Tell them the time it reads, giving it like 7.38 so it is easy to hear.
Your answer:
5.49
